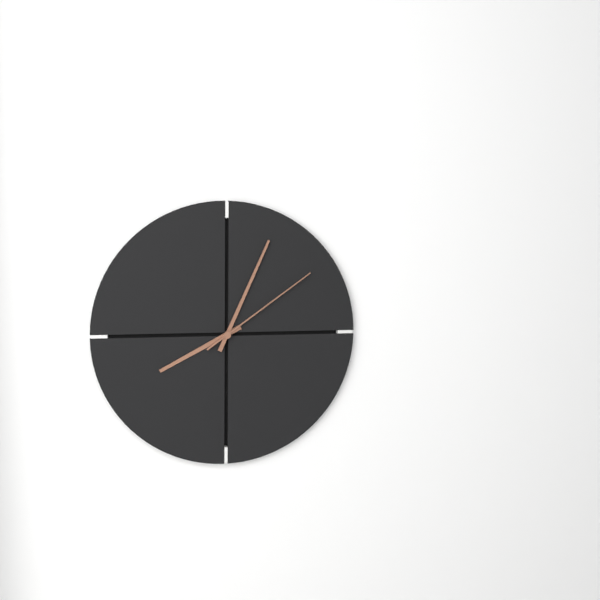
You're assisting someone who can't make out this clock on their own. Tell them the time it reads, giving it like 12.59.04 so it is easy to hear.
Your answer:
8.04.09
